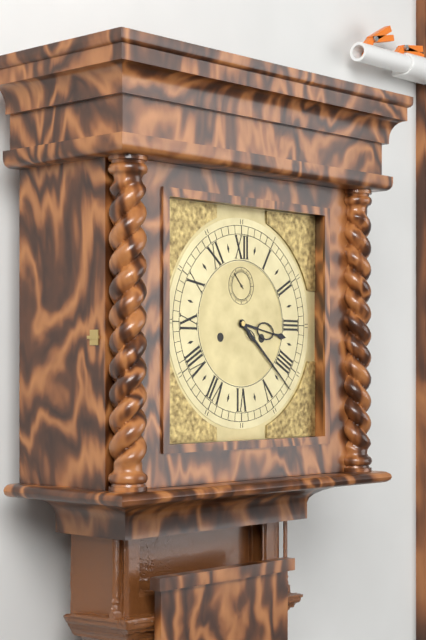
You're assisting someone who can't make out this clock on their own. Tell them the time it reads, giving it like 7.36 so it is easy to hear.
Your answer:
3.22
